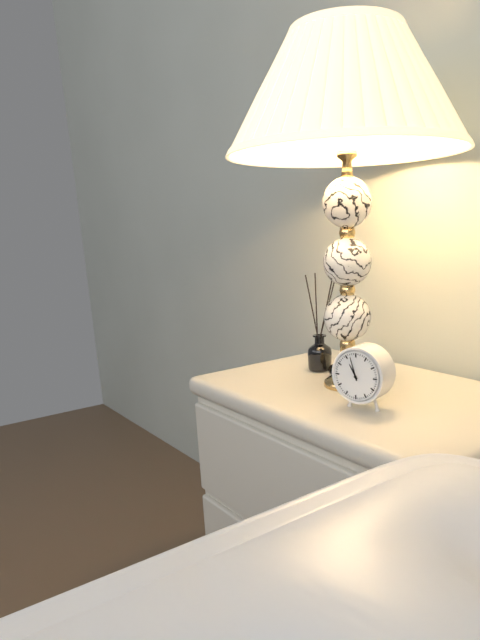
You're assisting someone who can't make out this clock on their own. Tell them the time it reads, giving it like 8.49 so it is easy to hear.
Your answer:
10.57
